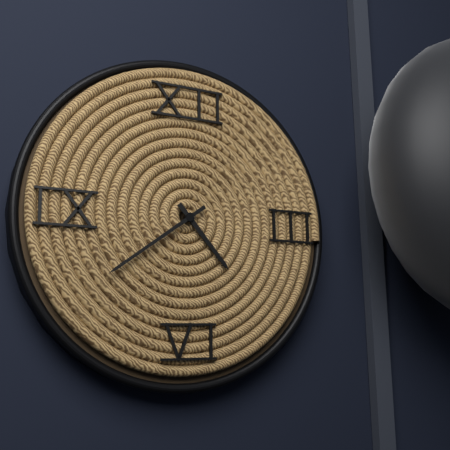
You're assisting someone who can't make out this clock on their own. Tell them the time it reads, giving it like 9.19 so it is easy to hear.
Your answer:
4.39
